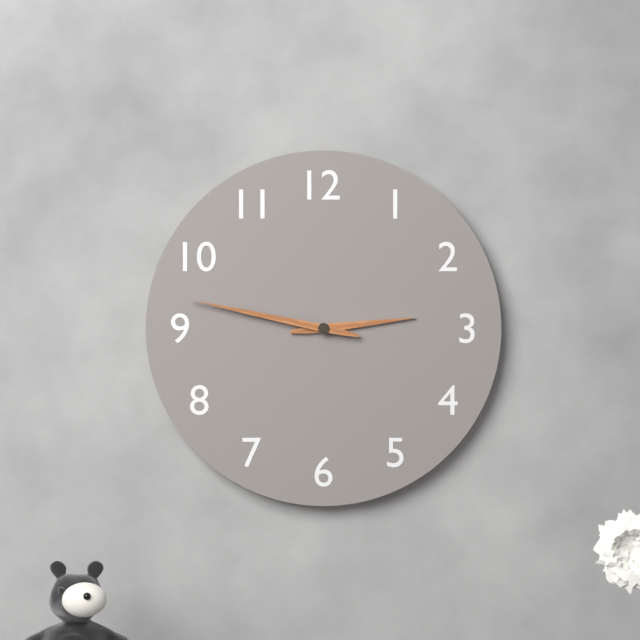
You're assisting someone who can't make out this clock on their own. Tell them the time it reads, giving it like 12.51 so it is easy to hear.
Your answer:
2.47
